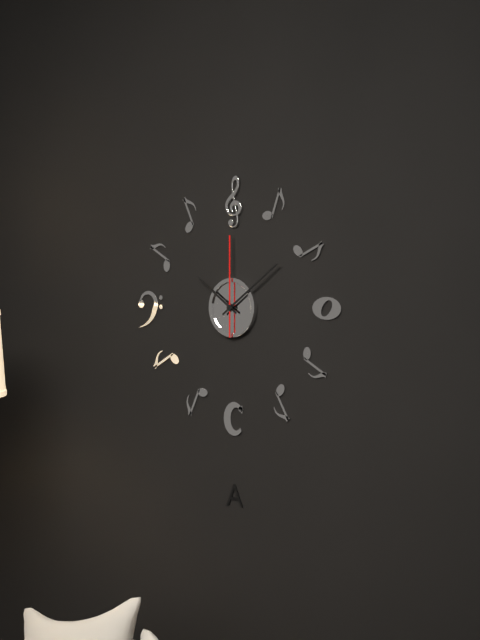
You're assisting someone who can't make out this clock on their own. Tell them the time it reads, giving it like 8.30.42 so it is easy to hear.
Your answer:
10.09.00
